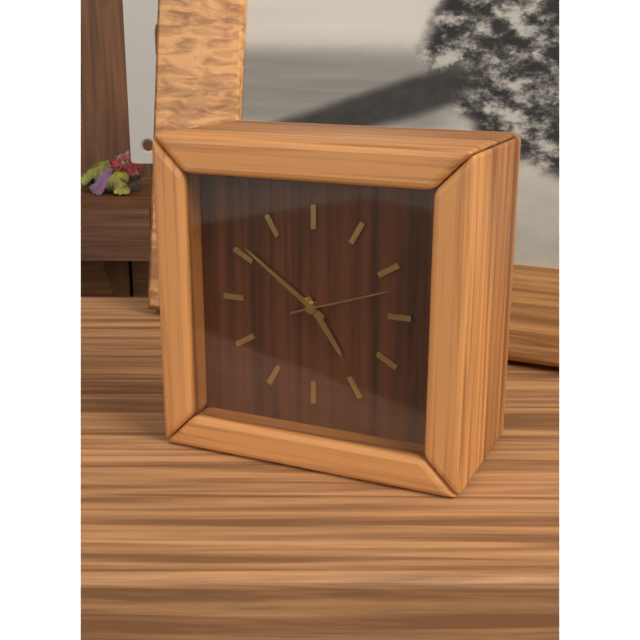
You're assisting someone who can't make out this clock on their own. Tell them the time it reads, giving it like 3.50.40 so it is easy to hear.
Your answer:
4.51.12
